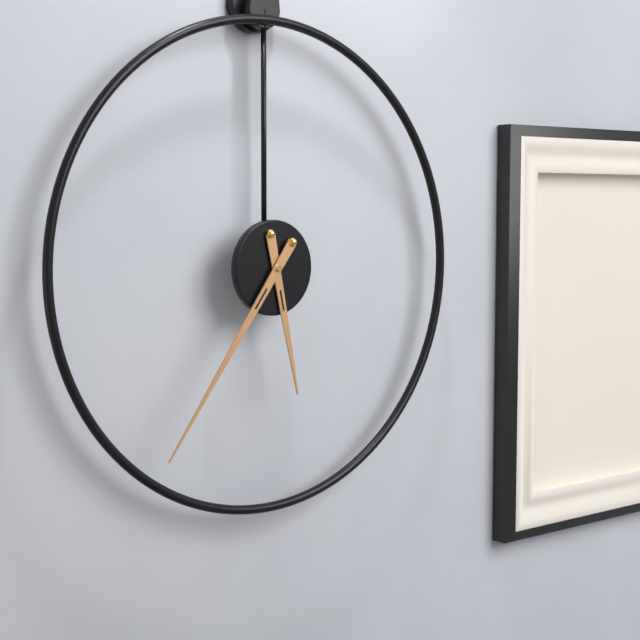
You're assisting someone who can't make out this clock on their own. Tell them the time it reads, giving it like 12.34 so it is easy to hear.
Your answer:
5.36
